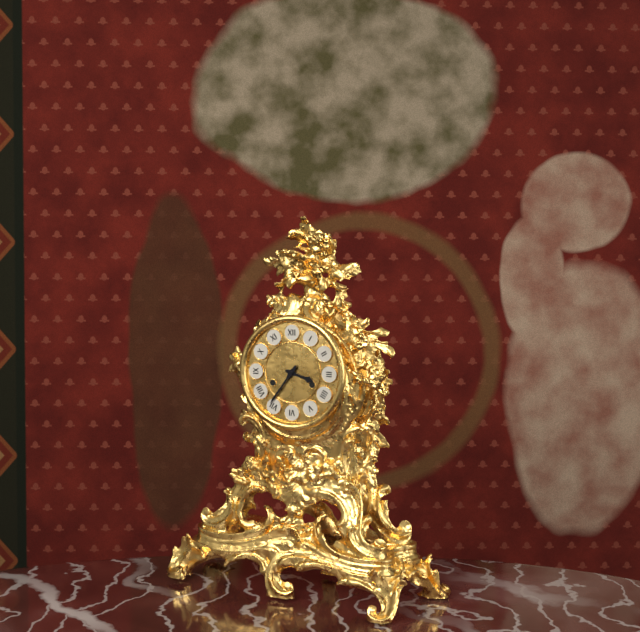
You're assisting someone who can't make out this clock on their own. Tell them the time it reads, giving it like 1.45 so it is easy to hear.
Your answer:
3.36
